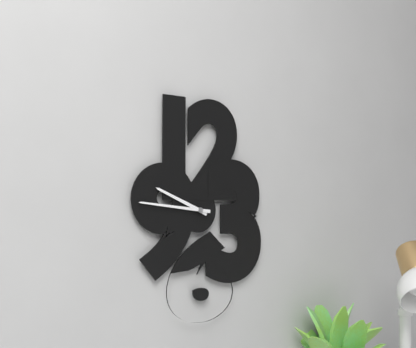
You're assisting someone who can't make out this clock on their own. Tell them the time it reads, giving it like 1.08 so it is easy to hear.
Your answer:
9.46
